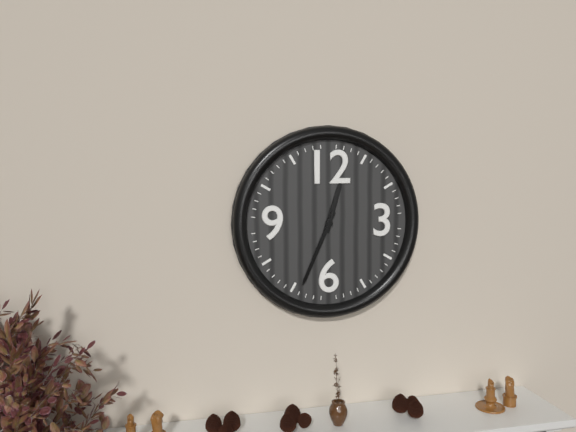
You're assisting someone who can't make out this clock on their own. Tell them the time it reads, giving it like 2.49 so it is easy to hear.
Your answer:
12.34
